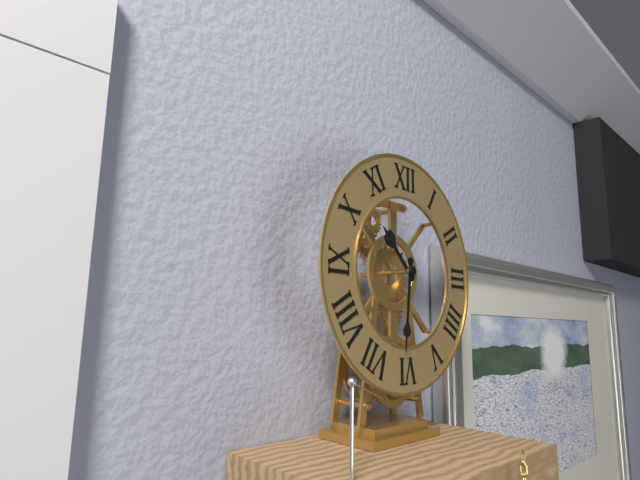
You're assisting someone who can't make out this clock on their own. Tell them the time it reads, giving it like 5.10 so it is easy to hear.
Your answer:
10.31
